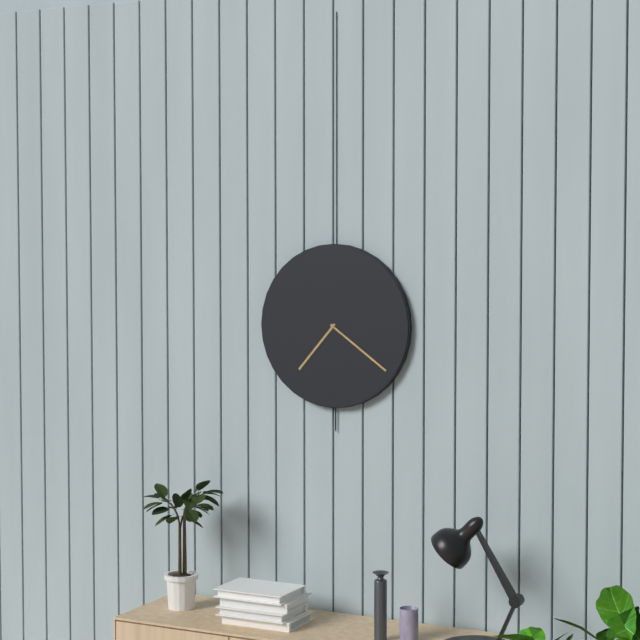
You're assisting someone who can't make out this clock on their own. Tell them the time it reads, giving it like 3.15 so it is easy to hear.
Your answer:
7.21
